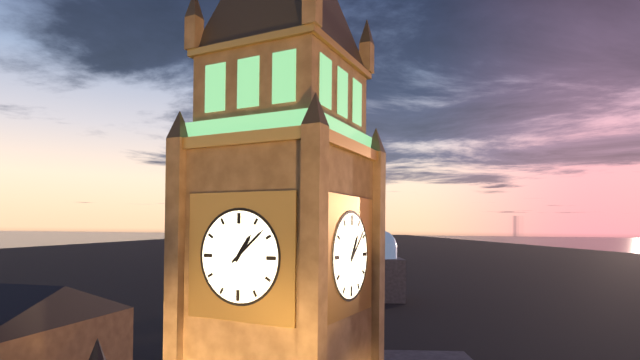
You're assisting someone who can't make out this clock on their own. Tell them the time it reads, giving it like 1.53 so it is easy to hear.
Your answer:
1.08
